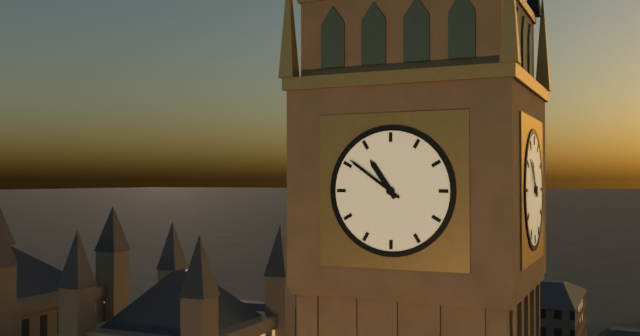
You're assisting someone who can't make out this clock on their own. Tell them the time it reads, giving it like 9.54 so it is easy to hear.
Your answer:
10.51
